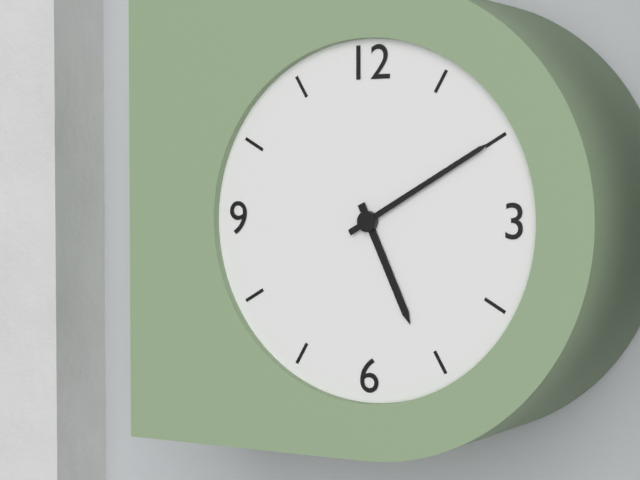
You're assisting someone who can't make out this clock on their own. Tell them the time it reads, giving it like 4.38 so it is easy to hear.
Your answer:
5.10
